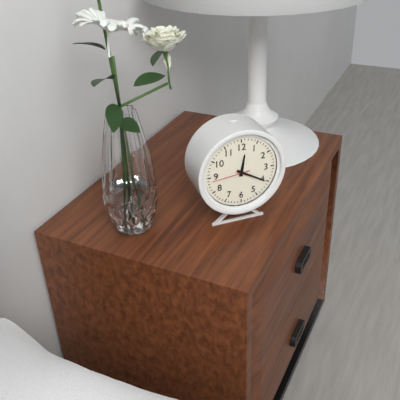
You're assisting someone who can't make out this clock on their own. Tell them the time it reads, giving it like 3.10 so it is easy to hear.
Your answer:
12.20
